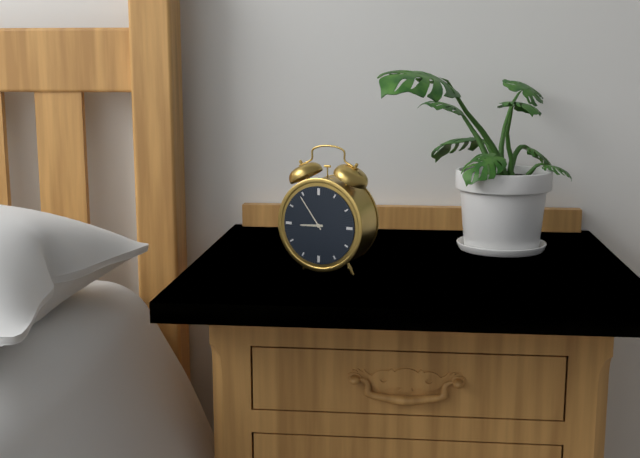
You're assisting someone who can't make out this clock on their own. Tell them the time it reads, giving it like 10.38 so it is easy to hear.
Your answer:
8.54
